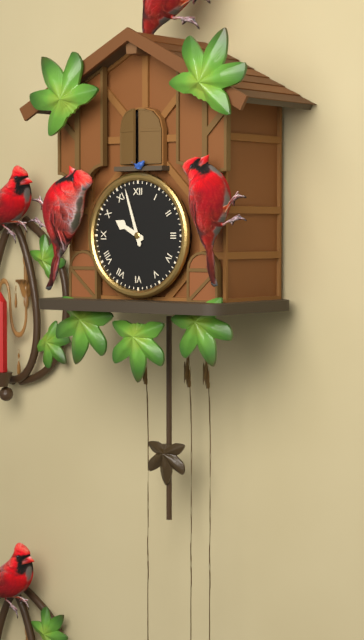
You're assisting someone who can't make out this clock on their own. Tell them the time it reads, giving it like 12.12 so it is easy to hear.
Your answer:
9.57
